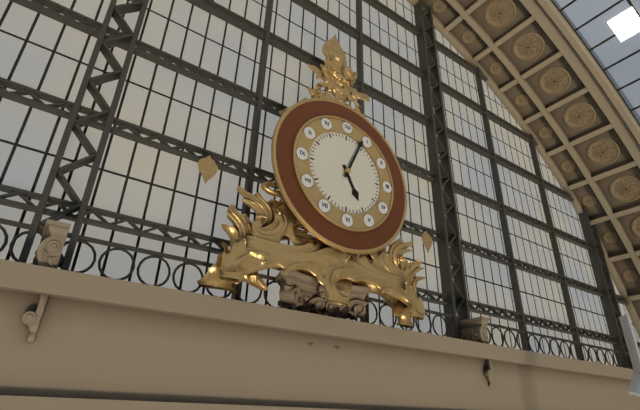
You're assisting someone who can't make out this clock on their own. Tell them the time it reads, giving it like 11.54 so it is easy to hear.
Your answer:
5.04
